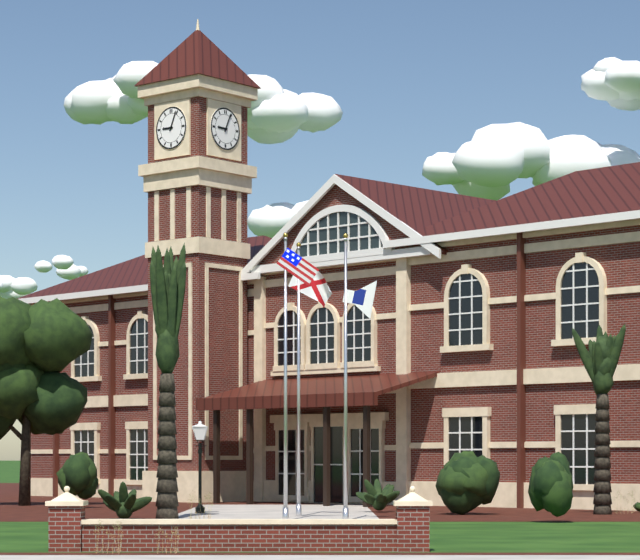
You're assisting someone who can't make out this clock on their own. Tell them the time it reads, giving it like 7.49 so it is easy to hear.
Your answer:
9.04
